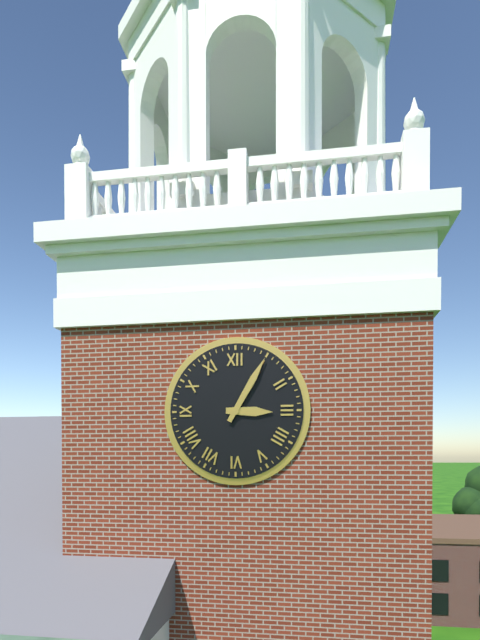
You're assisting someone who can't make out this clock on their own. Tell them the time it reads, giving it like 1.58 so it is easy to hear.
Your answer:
3.05
